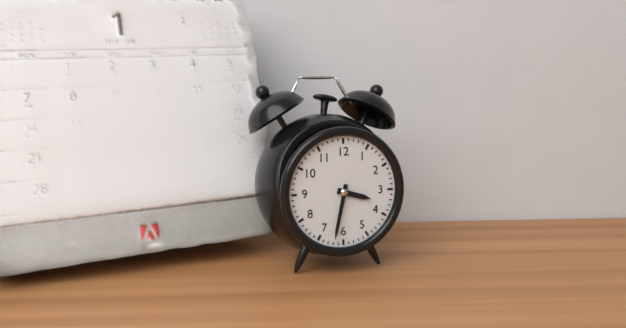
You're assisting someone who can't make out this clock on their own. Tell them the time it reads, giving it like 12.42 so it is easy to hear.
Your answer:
3.32
